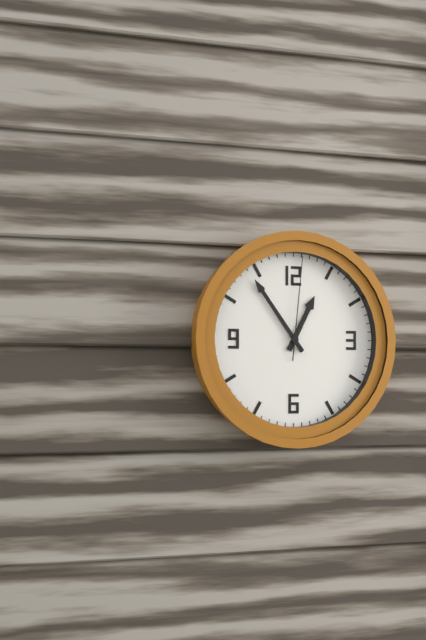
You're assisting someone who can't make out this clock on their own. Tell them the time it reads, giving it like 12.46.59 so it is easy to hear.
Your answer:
12.54.01
